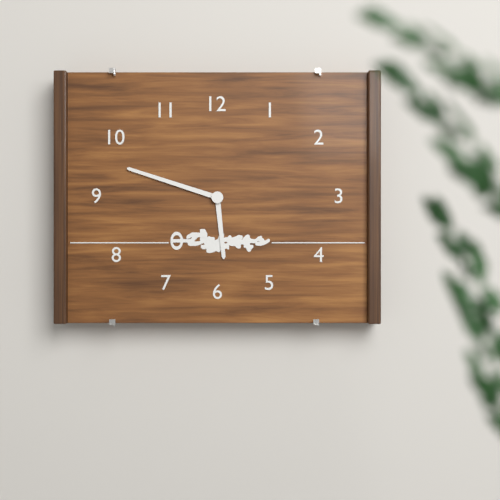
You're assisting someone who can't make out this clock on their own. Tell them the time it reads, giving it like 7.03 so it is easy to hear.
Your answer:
5.48
